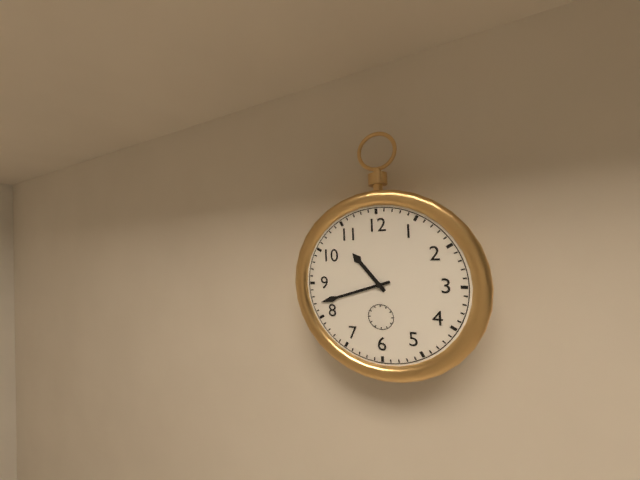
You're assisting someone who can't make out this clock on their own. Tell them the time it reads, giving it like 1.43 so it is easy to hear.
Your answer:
10.42
